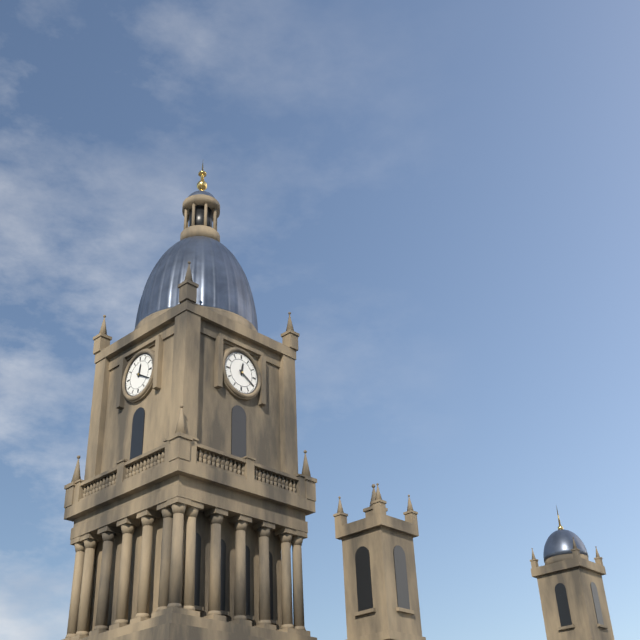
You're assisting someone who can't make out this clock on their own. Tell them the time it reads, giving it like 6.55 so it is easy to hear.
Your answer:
12.20
